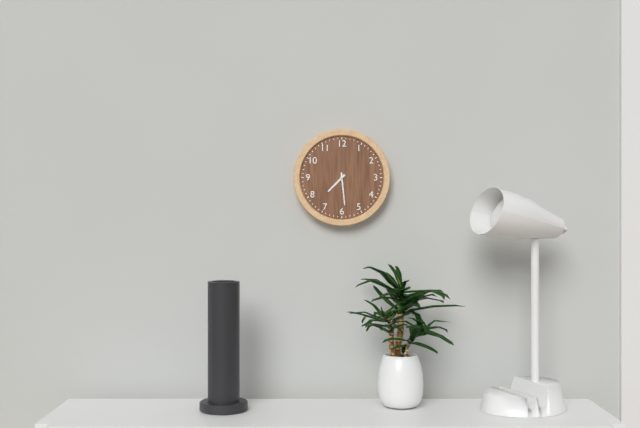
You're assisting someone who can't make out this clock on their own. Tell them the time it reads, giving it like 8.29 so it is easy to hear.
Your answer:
7.29
